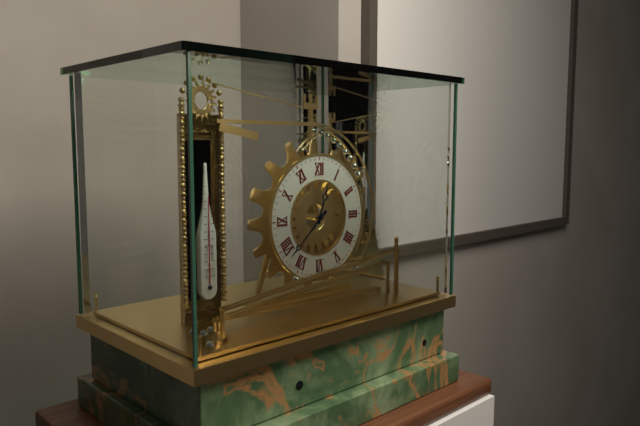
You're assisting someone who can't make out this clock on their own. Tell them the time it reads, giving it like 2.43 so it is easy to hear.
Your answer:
12.38
